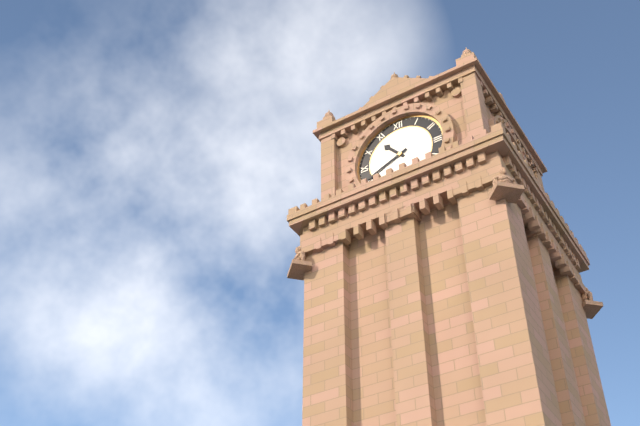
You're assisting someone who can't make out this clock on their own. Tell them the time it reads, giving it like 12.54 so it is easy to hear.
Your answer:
10.41
